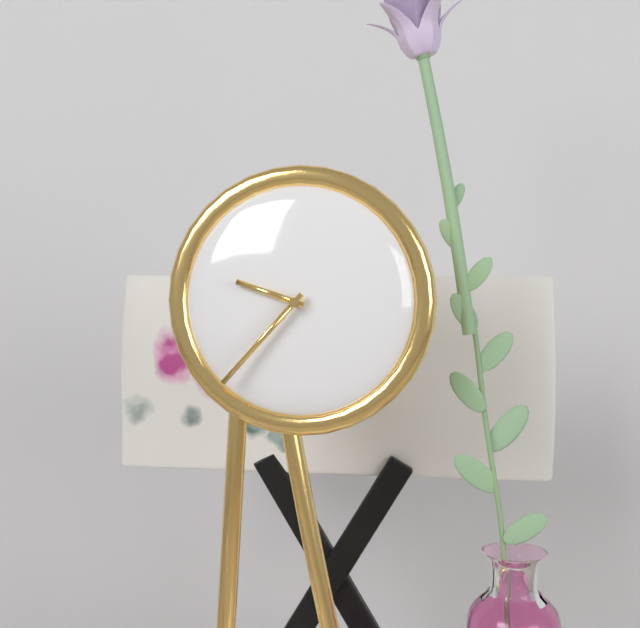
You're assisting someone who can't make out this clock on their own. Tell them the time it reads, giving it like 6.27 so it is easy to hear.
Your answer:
9.37
